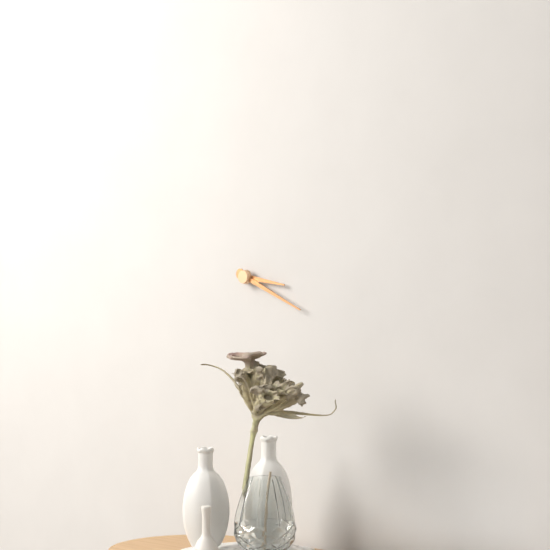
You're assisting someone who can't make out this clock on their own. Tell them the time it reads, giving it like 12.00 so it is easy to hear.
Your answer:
3.19
